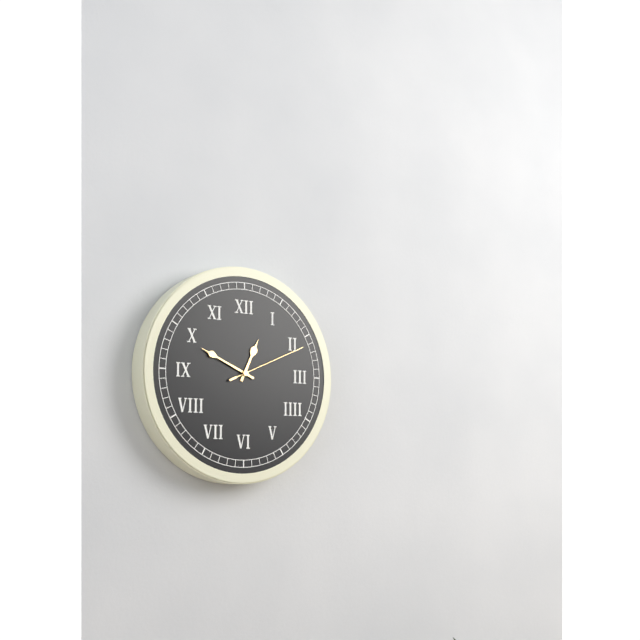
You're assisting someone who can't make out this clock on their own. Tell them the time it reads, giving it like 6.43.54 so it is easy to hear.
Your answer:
12.49.11
